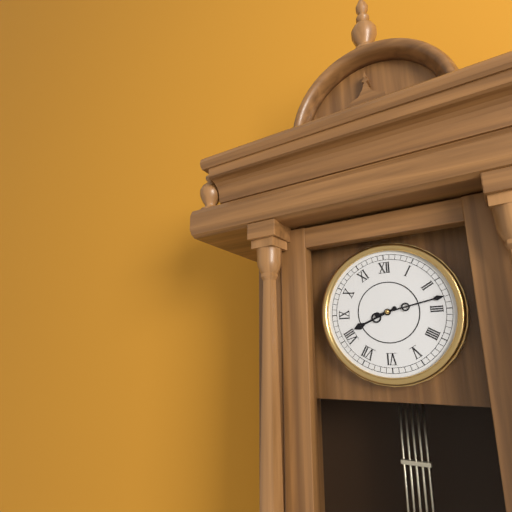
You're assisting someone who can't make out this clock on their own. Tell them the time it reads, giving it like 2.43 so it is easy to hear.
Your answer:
8.13
